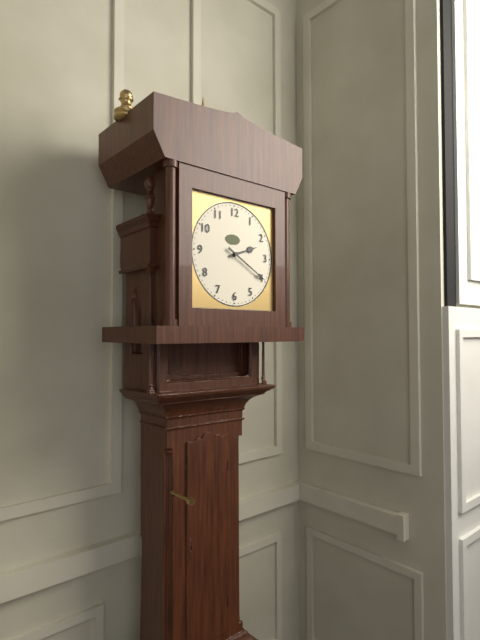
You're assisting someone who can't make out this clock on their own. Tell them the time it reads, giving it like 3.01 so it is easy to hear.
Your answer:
2.20
